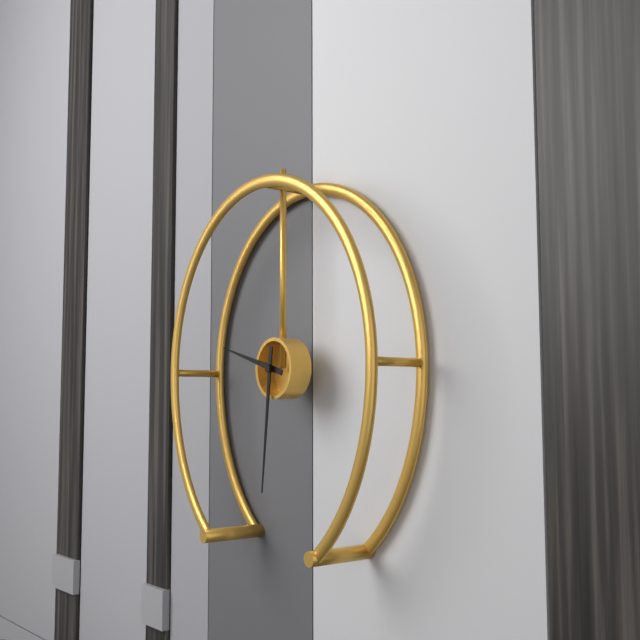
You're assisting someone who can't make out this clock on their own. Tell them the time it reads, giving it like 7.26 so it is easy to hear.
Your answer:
9.31
